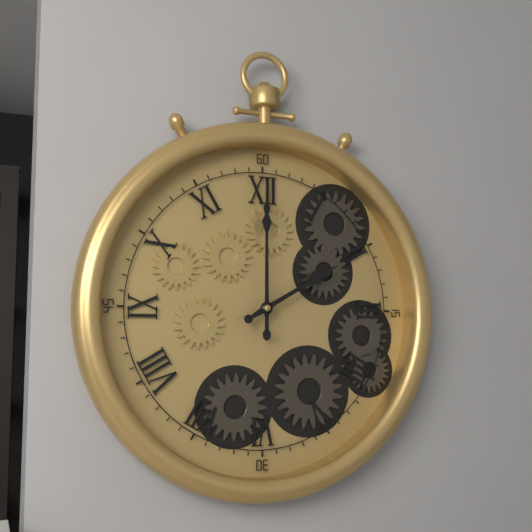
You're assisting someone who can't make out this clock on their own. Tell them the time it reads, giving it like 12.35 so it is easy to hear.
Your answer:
2.00
